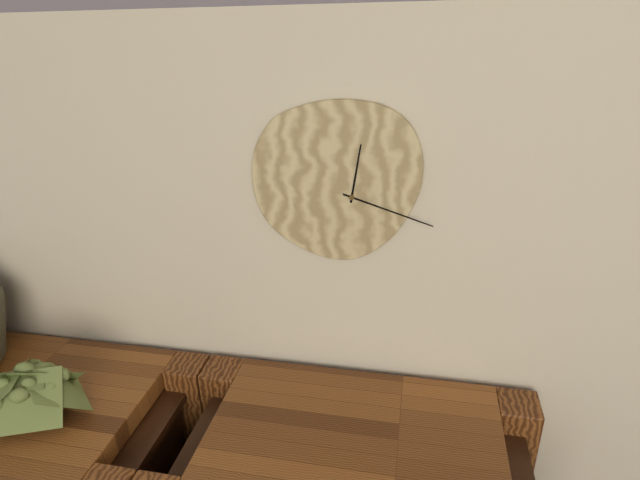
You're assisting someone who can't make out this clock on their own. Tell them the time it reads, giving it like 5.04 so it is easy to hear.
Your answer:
12.18
